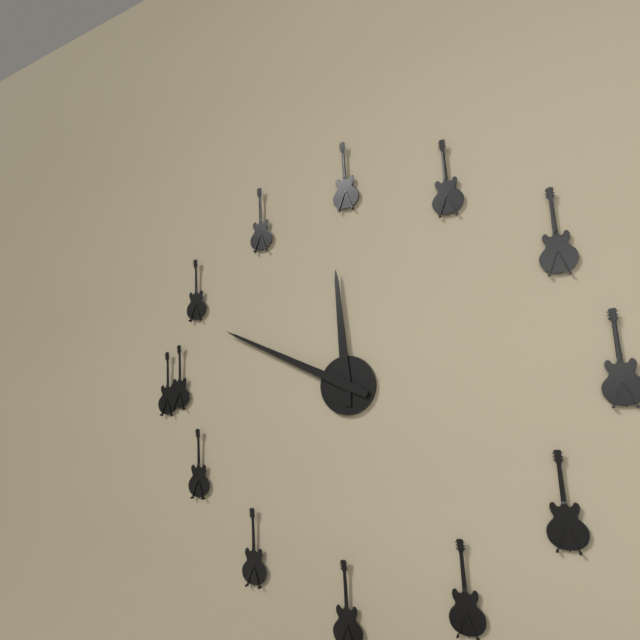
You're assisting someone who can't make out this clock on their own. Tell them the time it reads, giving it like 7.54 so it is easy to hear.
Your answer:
11.49
